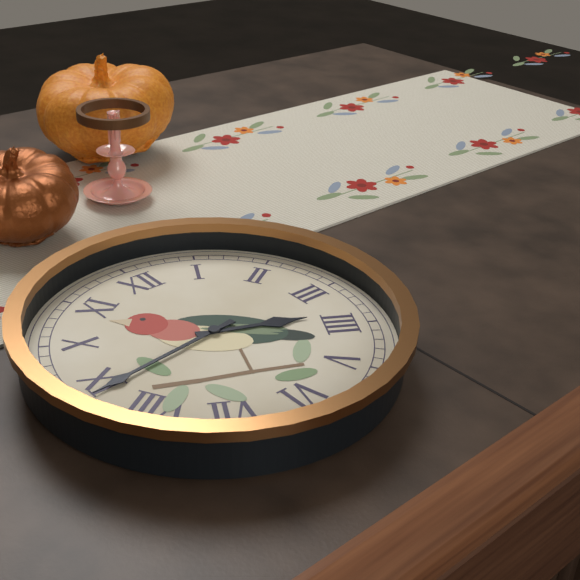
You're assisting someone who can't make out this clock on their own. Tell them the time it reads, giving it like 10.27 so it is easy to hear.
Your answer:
3.44
